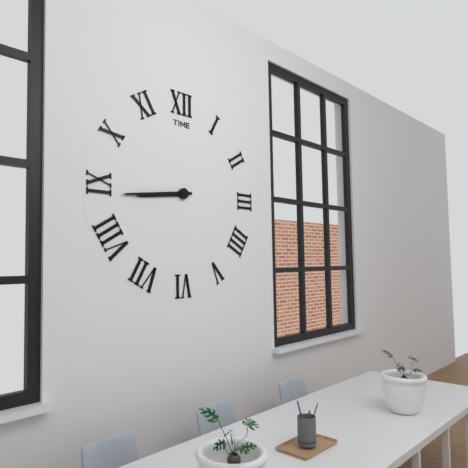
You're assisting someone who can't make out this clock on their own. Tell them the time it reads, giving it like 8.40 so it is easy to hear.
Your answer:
8.44
